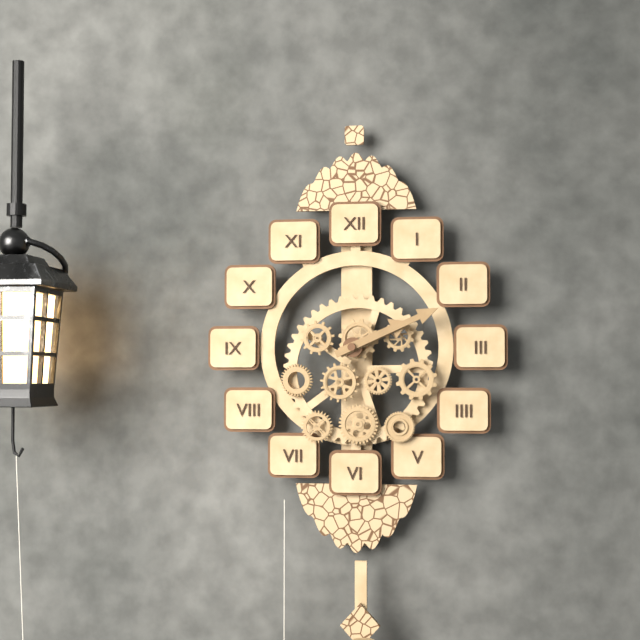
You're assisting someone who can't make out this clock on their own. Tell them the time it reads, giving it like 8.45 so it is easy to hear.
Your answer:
2.11
